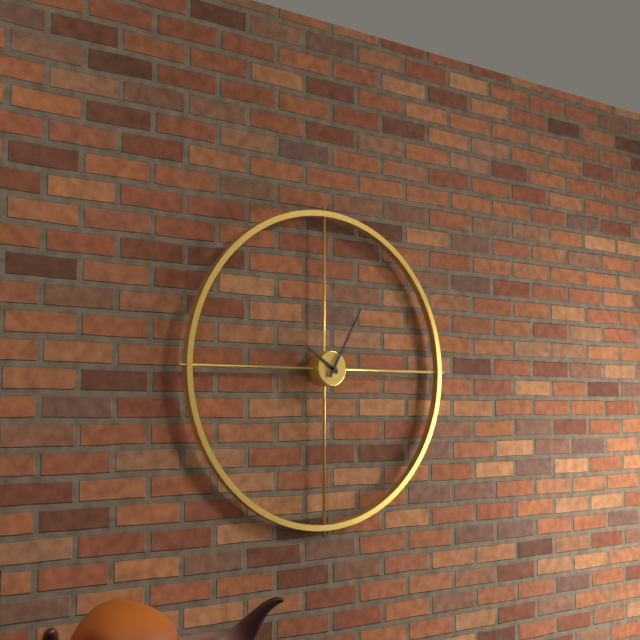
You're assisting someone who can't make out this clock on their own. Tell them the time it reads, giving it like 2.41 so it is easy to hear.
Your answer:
10.05
